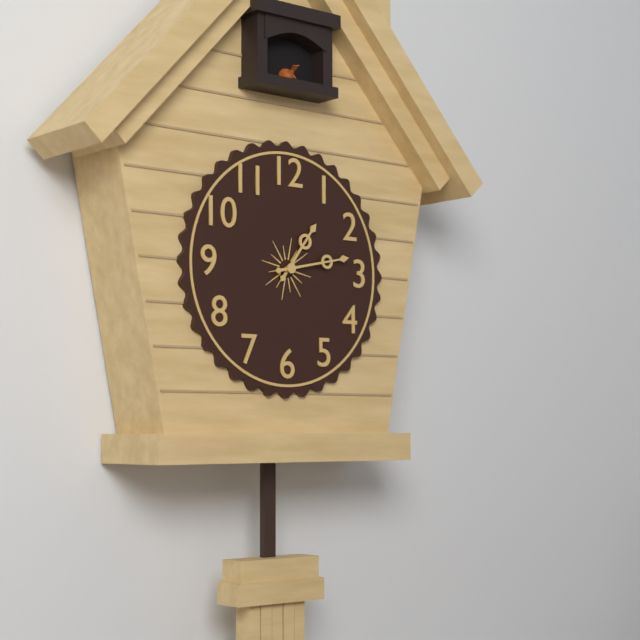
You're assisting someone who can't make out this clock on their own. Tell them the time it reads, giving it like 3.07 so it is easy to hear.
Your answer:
1.13
